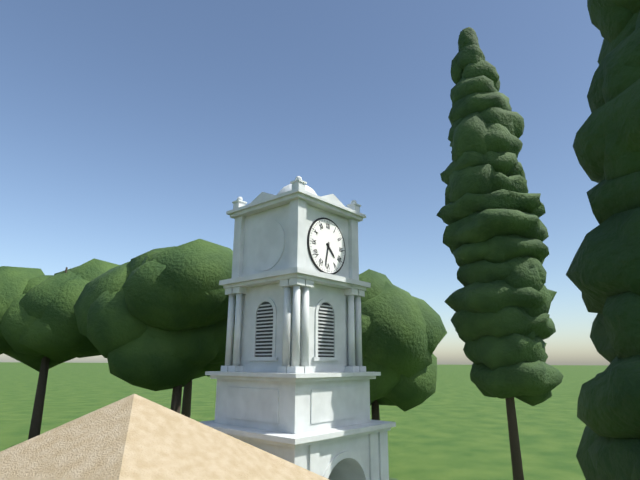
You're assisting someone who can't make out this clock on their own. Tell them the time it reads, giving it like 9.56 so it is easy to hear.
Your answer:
4.32
